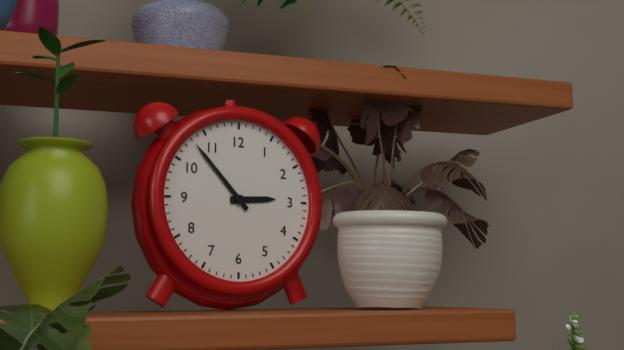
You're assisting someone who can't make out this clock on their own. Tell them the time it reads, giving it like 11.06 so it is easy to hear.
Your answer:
2.53
